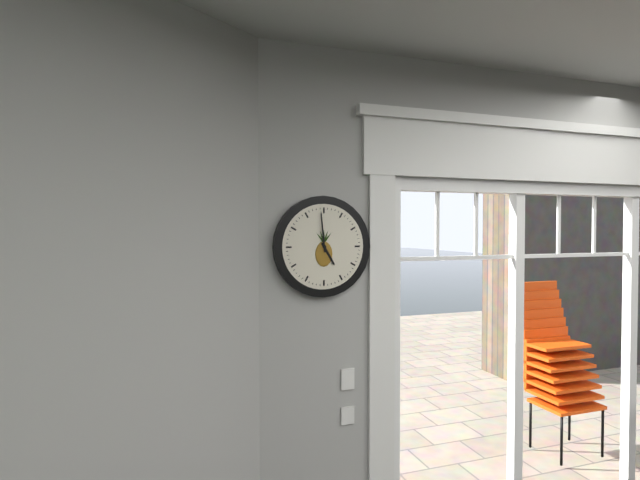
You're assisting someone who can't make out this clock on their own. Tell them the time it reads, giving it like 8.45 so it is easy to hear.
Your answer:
4.59
